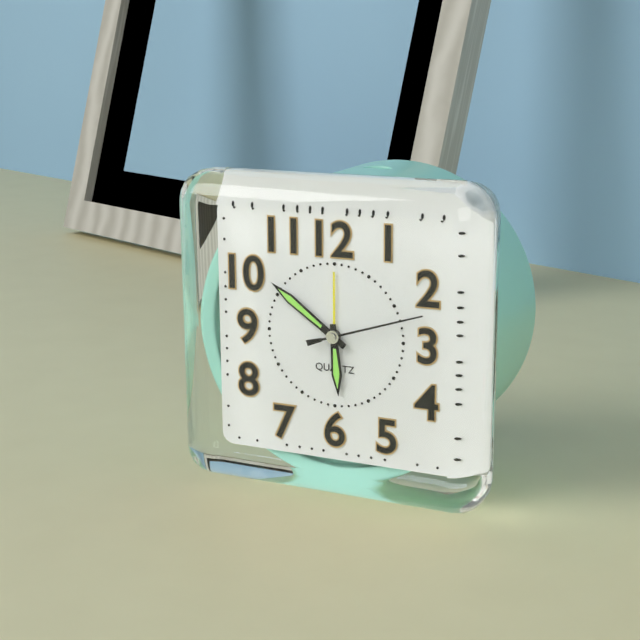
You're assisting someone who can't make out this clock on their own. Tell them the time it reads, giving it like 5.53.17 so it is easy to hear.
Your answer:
5.51.12
